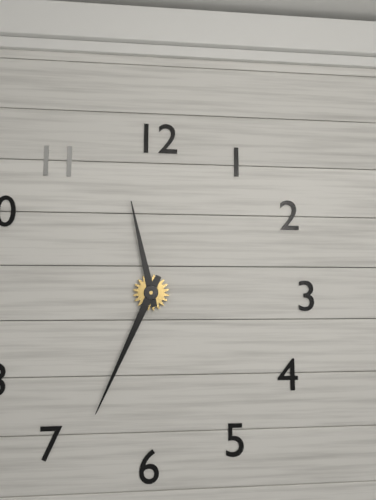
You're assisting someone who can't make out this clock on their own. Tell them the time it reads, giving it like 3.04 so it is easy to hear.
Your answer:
11.34
